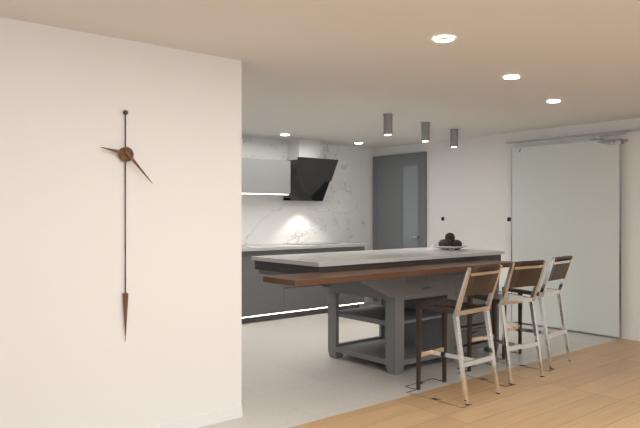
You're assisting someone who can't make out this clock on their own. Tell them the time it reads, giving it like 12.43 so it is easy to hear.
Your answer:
9.23
